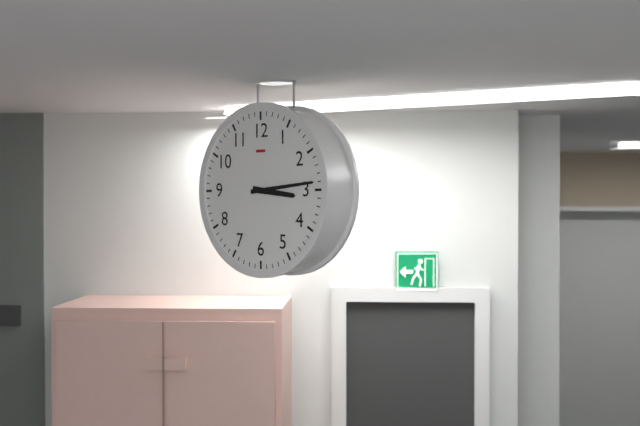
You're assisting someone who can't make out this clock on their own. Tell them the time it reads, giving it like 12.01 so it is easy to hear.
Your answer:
3.14
